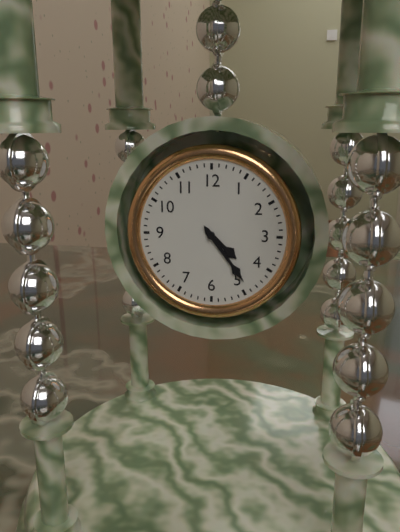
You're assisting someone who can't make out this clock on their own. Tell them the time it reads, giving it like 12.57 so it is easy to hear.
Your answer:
4.24
